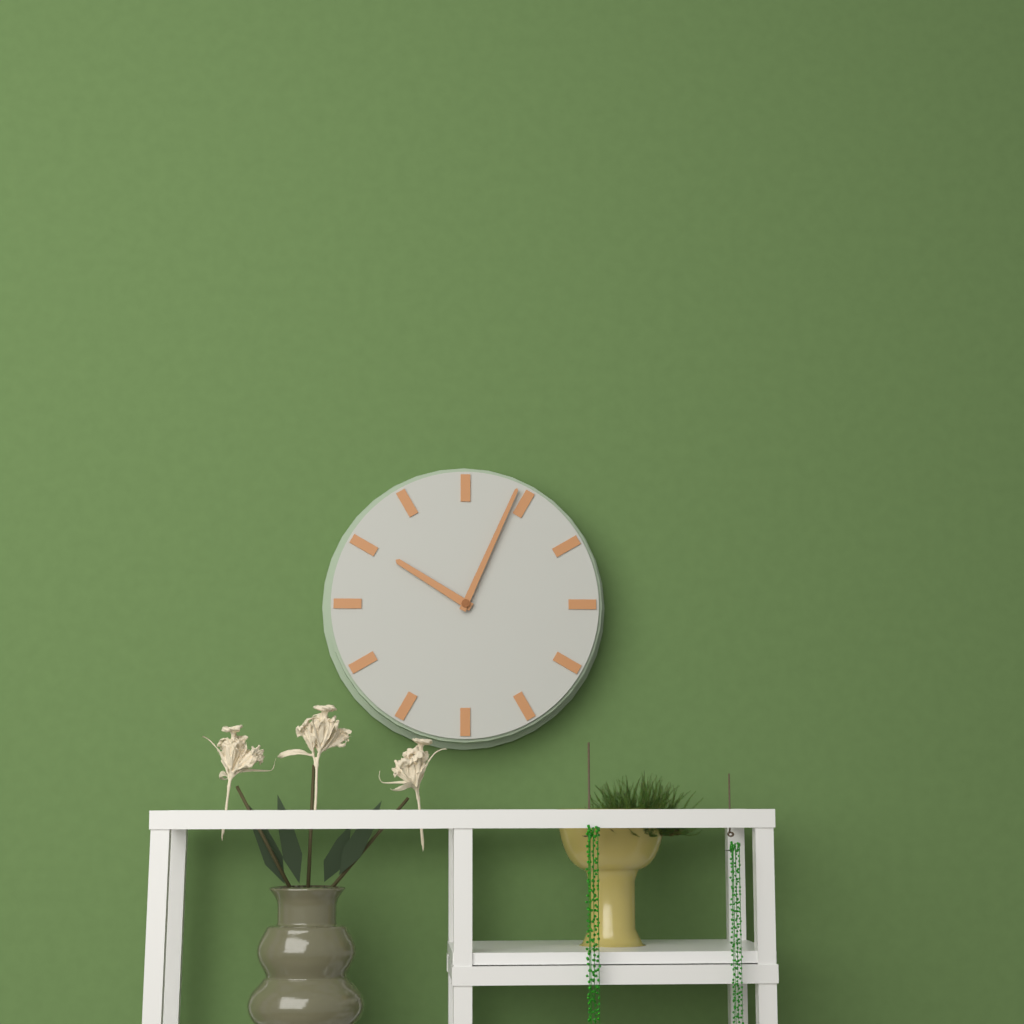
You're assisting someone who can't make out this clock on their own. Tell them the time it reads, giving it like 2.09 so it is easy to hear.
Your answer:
10.04
